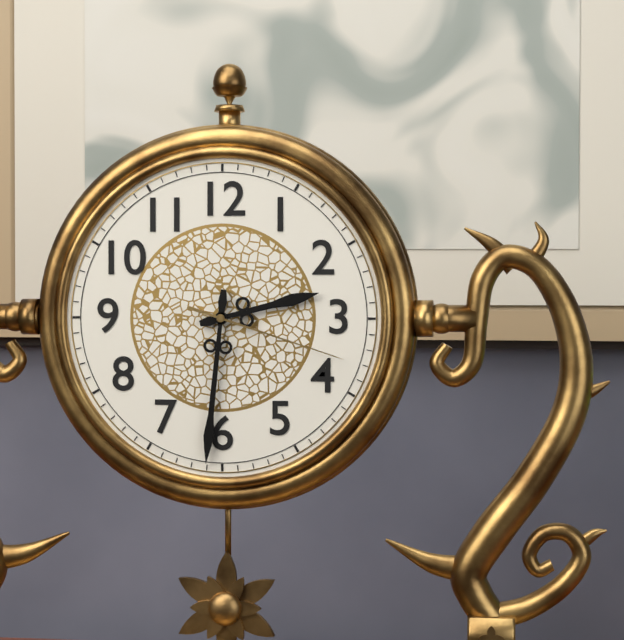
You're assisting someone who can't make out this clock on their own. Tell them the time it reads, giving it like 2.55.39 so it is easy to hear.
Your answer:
2.31.18
